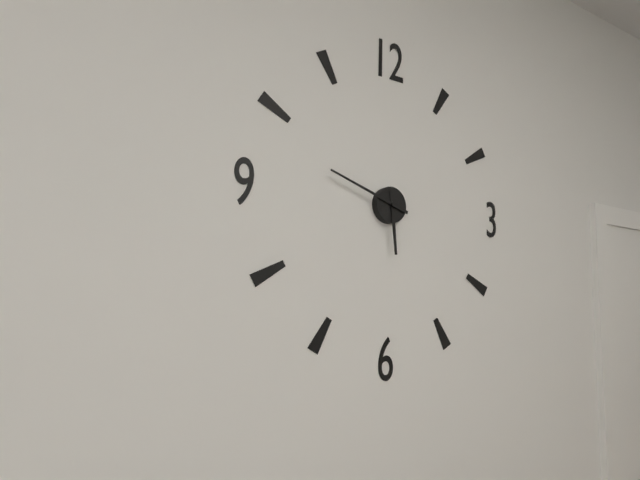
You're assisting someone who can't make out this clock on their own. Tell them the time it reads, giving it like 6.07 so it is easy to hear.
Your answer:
5.48
